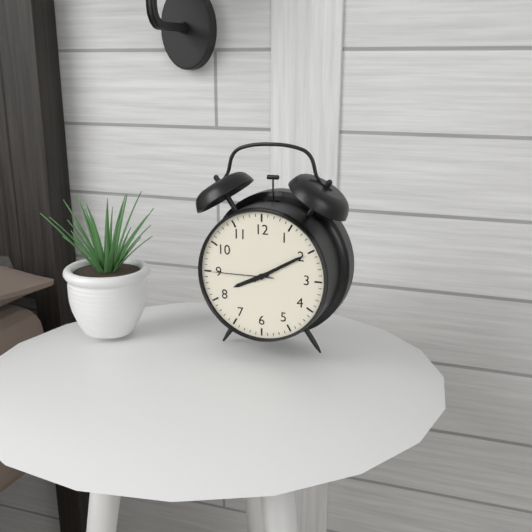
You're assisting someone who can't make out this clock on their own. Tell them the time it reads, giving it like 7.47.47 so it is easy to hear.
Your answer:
8.10.45
